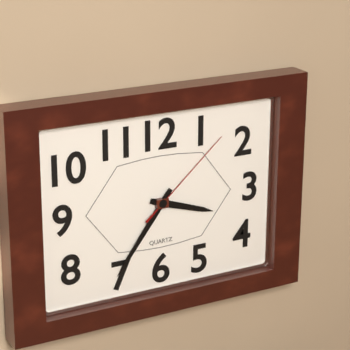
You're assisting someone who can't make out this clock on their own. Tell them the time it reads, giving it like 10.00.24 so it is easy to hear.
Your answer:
3.36.08
